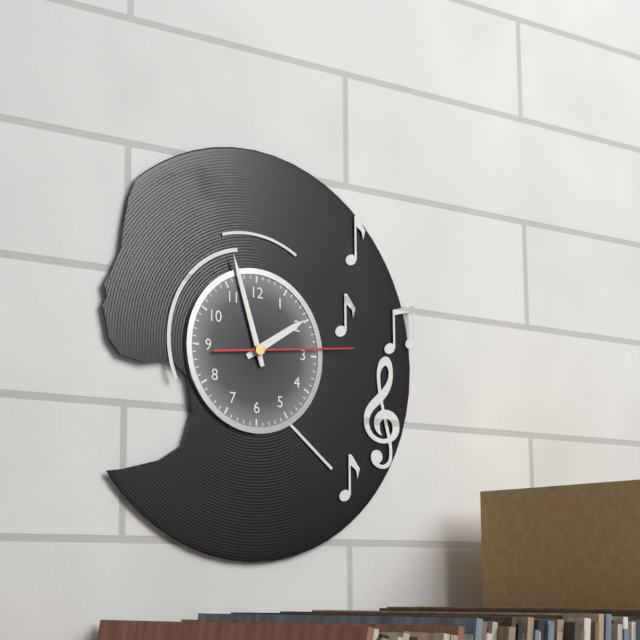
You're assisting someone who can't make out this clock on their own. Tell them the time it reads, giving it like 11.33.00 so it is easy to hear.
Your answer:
1.57.14
